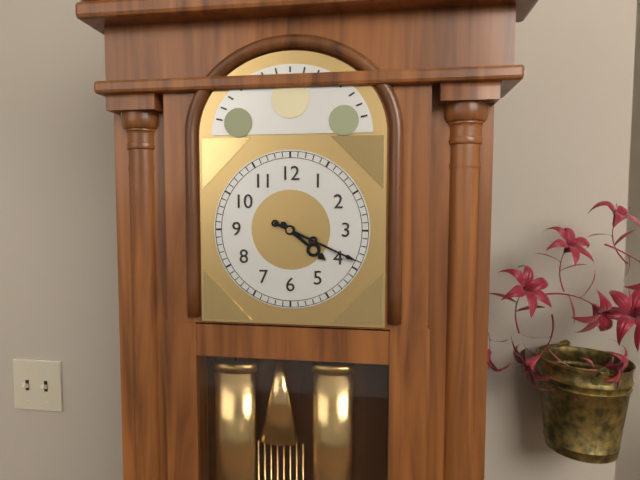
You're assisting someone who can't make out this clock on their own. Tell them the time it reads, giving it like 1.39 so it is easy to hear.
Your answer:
4.19
